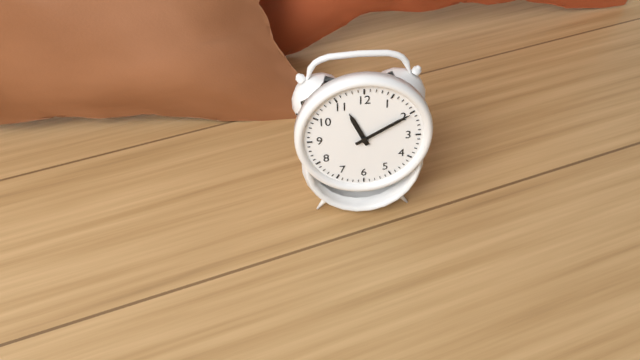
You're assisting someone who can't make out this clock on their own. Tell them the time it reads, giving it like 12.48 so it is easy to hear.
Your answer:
11.10
